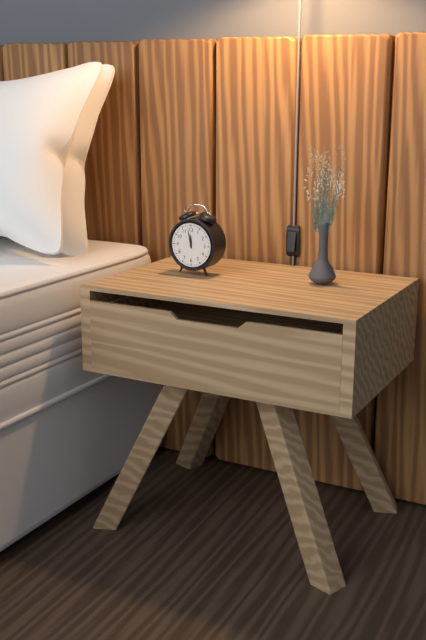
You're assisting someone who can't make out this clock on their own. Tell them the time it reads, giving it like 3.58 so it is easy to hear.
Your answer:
11.58
